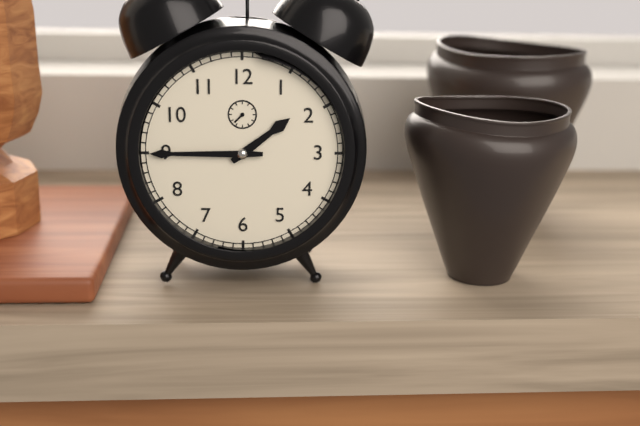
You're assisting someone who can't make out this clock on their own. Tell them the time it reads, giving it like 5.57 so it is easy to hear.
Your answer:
1.45
